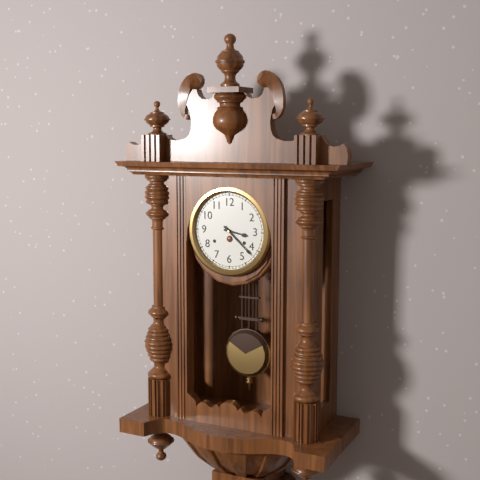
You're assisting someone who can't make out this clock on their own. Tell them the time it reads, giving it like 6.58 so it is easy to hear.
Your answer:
3.22
